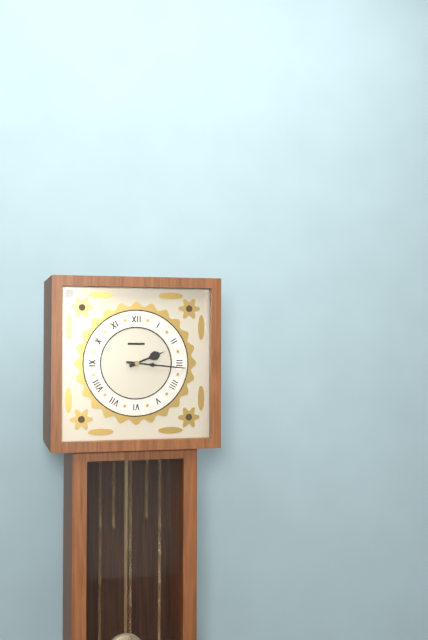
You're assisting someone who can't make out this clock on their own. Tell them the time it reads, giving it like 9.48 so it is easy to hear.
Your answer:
2.16
